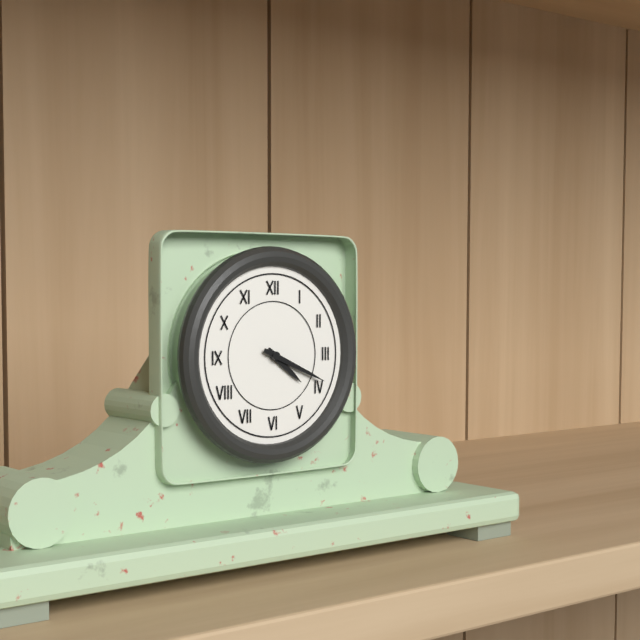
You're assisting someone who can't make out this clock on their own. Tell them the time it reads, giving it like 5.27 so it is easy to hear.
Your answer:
4.19
